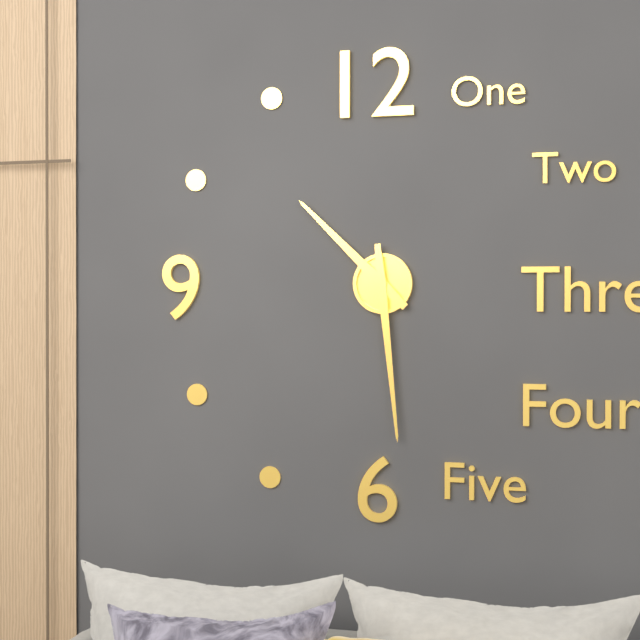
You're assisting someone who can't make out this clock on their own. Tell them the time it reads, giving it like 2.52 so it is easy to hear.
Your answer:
10.29
